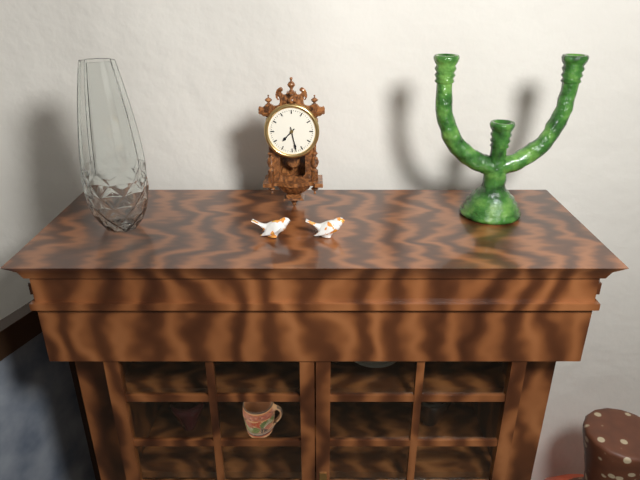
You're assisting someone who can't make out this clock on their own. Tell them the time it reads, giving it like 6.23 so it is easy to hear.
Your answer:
7.28
